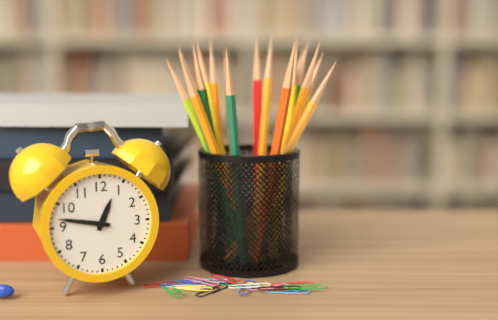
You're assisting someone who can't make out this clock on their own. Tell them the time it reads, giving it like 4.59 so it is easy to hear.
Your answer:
12.47
